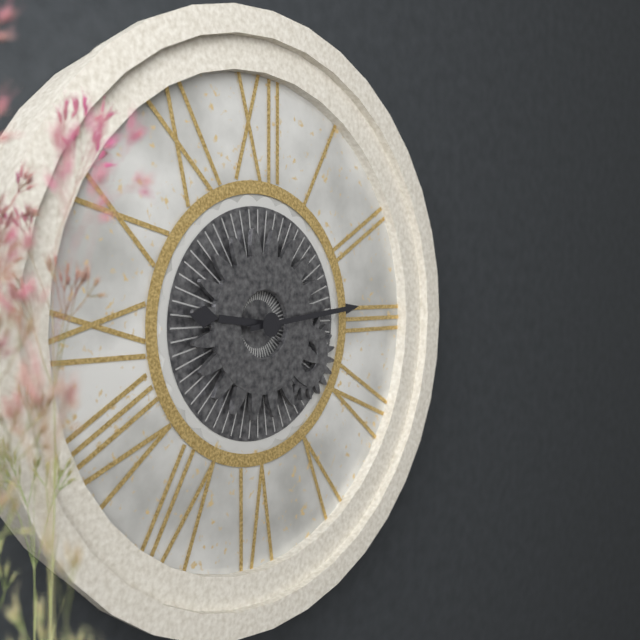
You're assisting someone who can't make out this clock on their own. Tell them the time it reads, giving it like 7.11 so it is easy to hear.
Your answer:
9.14
